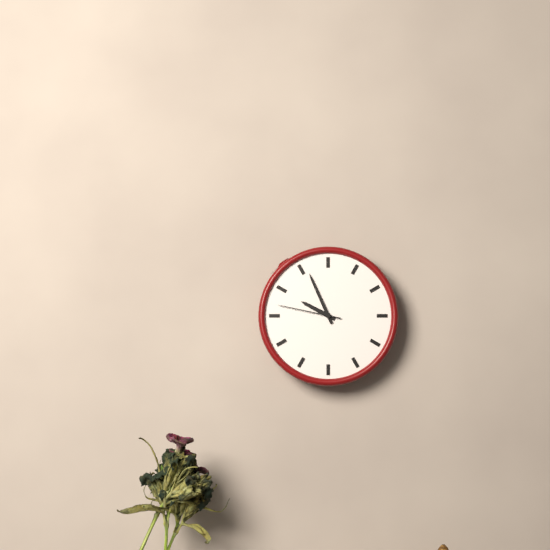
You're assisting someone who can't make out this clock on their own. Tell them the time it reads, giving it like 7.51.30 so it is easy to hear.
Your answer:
9.56.47
